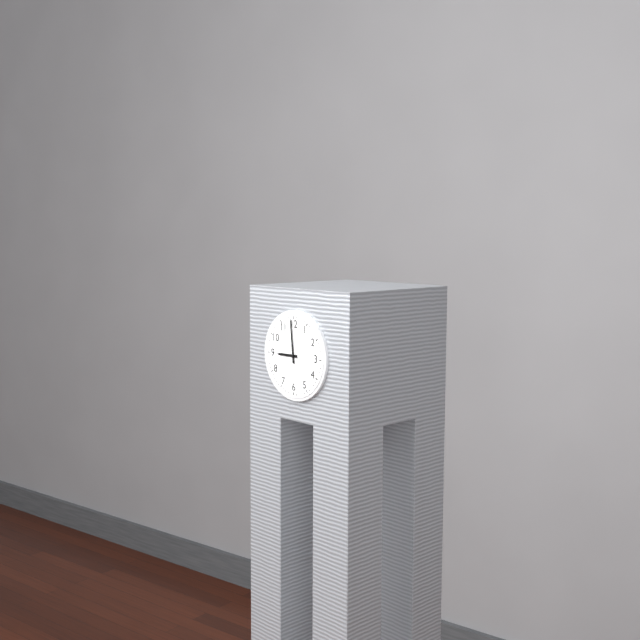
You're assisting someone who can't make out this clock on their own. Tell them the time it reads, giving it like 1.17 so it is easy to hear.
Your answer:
8.59
